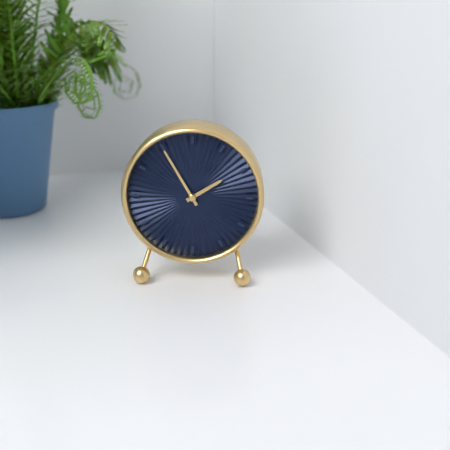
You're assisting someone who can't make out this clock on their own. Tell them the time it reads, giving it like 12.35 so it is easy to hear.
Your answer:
1.55
